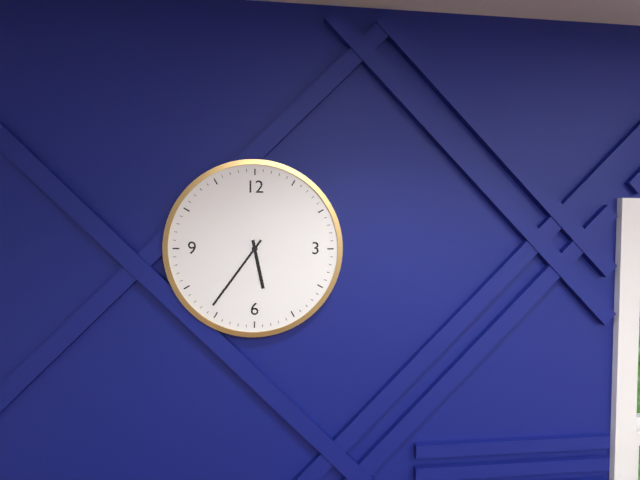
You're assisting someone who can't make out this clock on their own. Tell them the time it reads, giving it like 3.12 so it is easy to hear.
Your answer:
5.36
